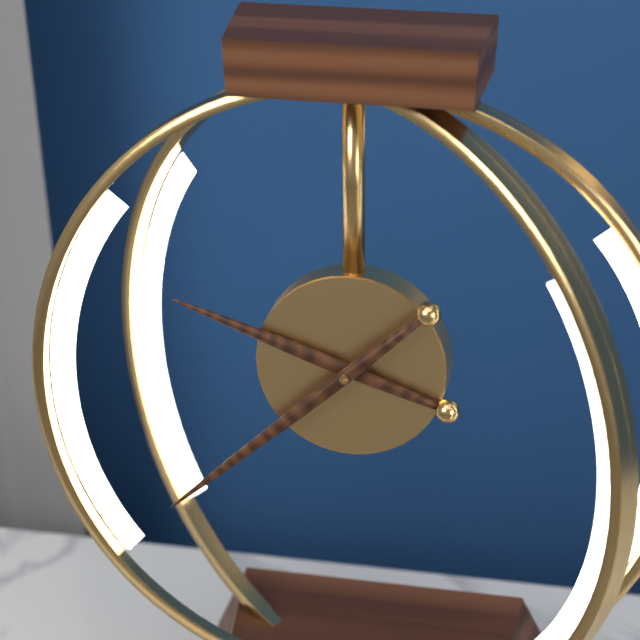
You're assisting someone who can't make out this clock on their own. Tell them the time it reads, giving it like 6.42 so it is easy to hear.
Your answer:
9.38
